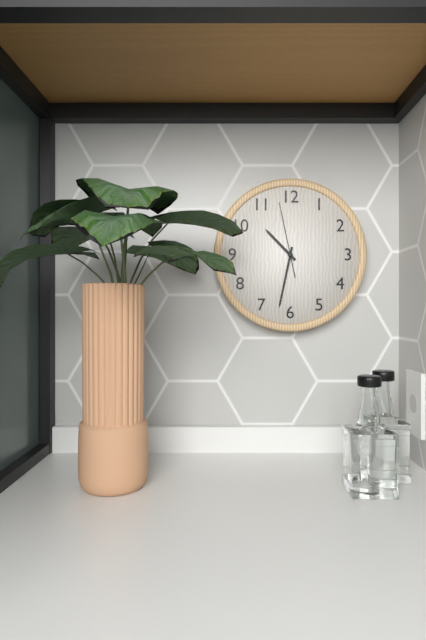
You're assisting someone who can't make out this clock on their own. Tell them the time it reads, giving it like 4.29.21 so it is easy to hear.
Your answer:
10.32.58
